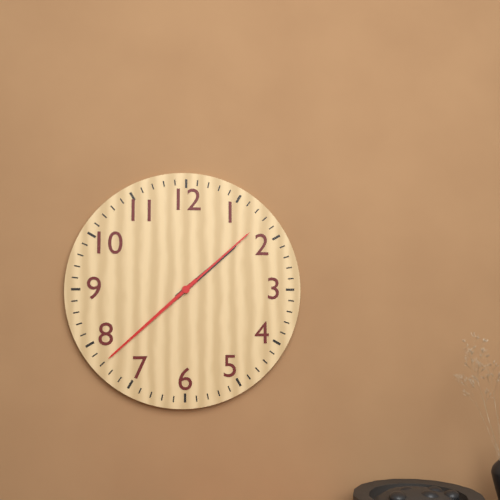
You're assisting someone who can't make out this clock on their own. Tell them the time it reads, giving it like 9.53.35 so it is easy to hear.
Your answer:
1.38.08
